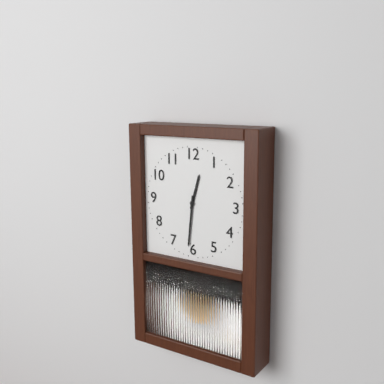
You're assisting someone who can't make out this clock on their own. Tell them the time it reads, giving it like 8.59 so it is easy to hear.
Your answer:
12.31
